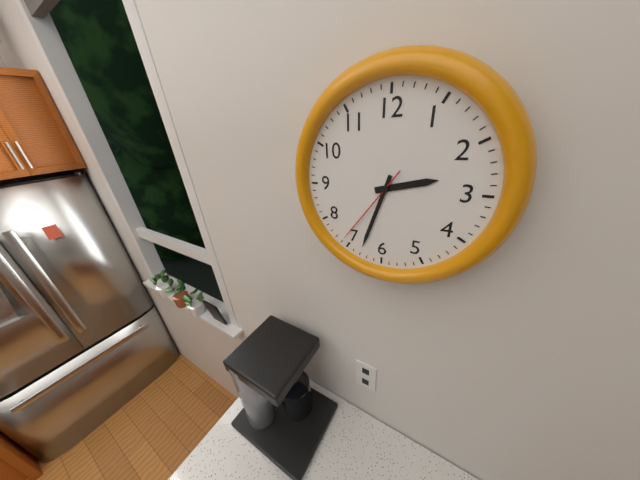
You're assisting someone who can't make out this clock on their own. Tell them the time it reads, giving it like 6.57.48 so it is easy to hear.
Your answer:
2.33.36
